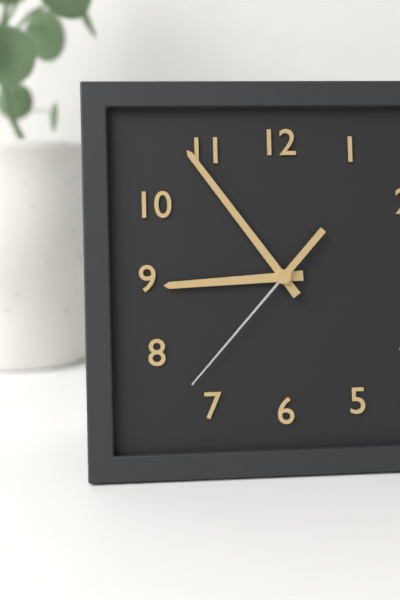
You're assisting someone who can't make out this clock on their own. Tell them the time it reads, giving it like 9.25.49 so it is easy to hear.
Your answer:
8.54.37
